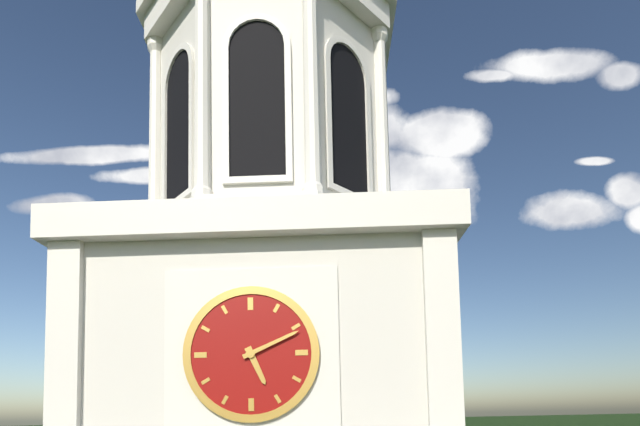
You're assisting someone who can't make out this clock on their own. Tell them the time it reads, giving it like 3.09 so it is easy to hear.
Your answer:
5.11
